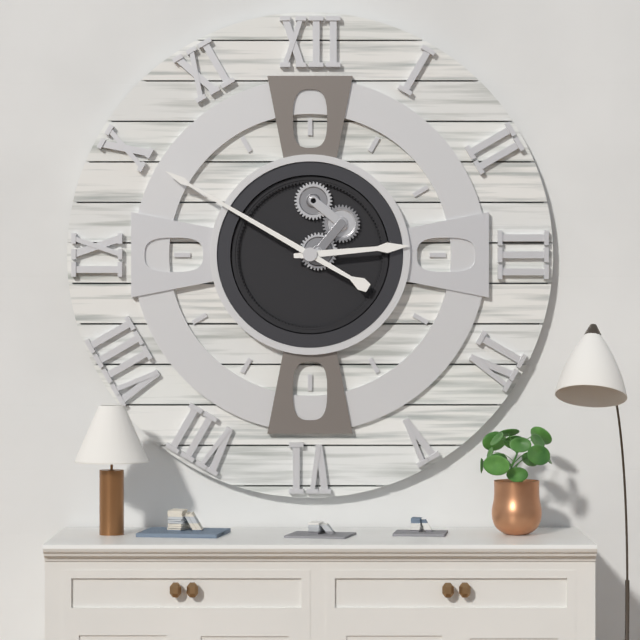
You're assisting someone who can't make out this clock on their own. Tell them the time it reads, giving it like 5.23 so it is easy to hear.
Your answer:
2.50
